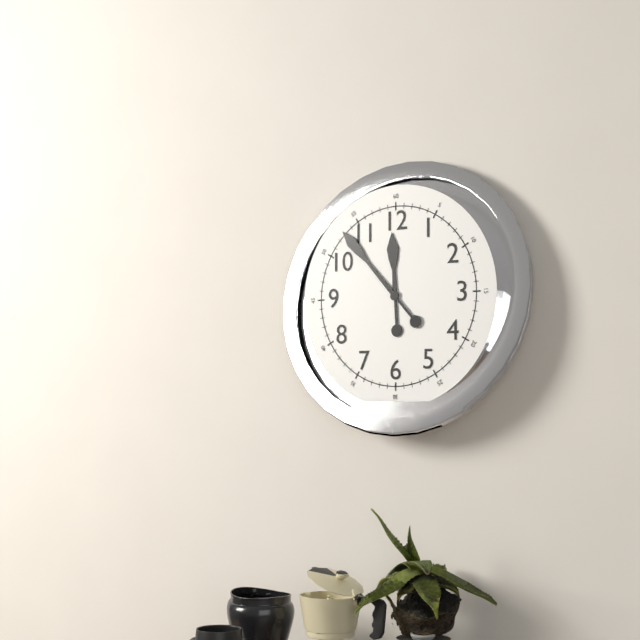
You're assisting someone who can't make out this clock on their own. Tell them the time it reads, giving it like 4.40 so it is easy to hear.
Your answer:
11.53
